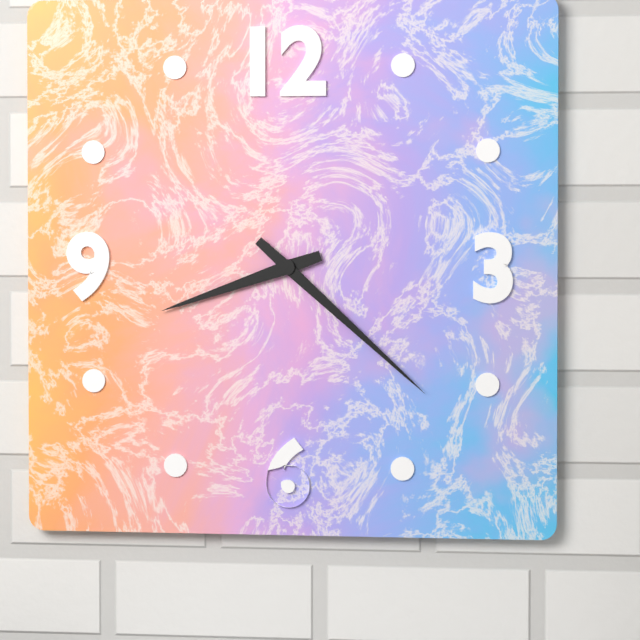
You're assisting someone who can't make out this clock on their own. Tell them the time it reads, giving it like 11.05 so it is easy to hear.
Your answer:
8.22
